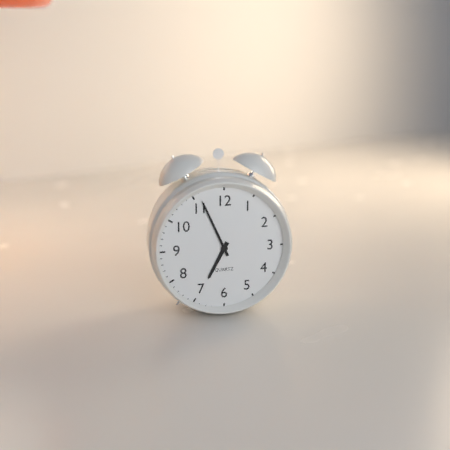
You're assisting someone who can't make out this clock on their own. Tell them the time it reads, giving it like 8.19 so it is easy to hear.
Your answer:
6.56
